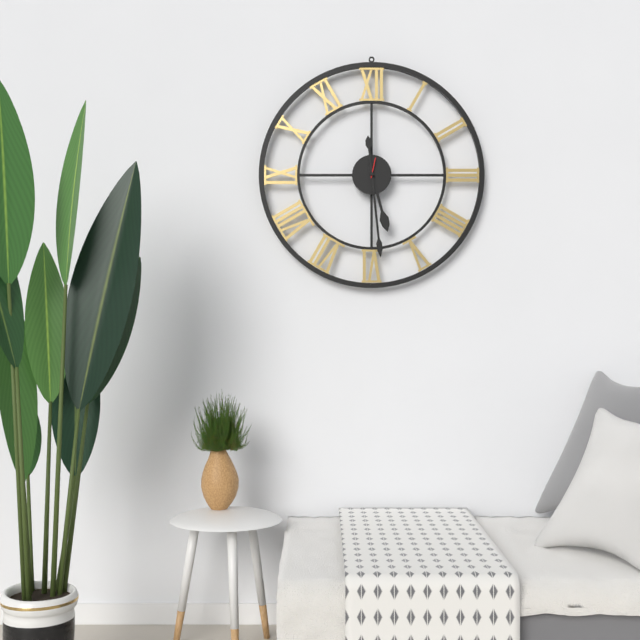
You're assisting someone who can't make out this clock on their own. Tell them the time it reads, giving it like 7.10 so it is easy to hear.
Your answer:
5.29
